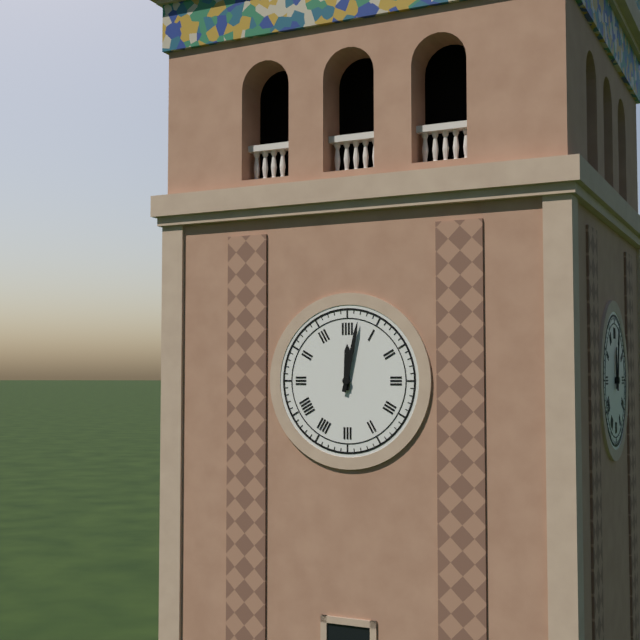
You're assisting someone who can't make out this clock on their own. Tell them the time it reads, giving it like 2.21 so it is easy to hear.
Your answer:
12.02
